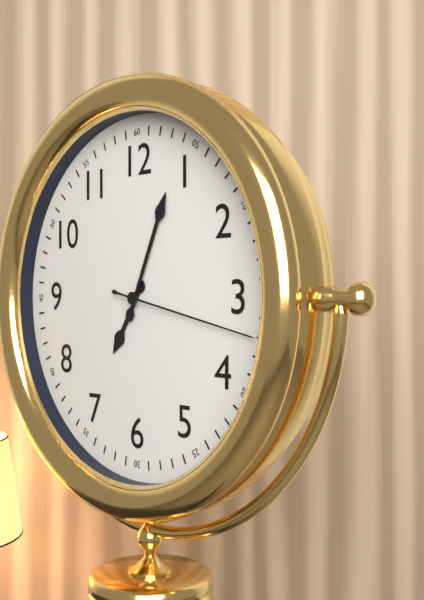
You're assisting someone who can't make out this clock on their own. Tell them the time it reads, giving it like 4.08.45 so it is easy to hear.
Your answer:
7.04.17
